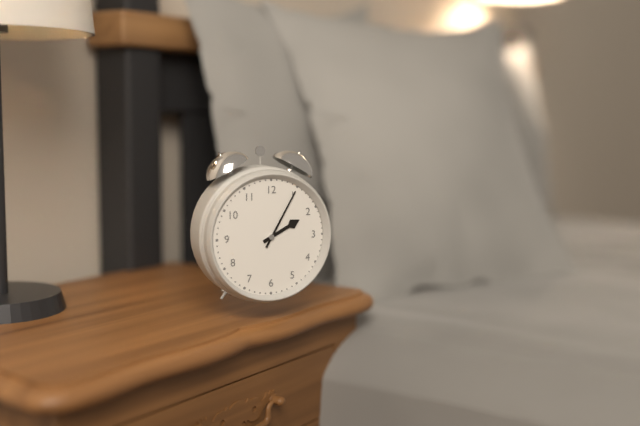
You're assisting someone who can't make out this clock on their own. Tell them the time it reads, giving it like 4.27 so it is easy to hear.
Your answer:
2.05
